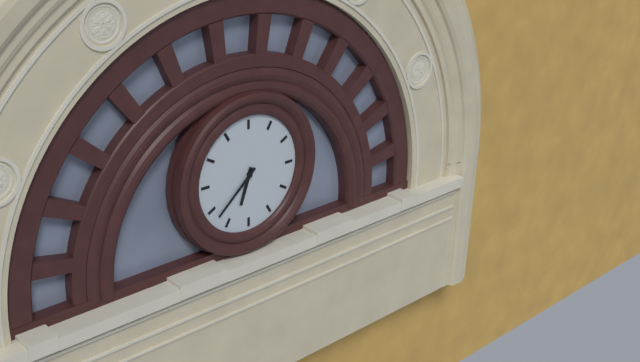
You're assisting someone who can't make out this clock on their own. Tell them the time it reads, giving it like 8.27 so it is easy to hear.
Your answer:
6.38
